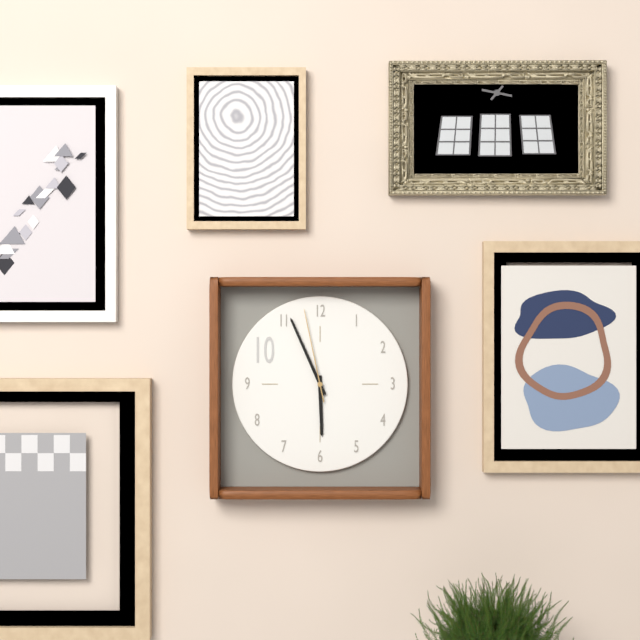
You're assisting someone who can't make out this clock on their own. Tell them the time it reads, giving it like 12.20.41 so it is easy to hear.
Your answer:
5.56.58
